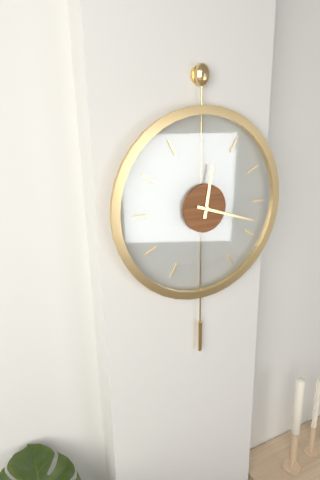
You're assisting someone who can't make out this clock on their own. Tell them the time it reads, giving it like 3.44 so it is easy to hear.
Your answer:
12.18
